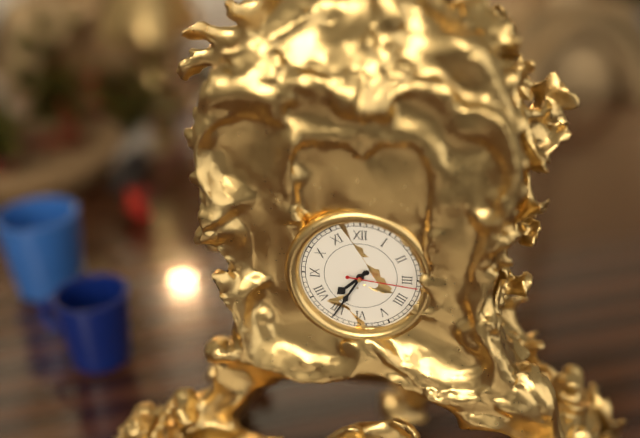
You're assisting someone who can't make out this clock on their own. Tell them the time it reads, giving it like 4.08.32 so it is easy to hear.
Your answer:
7.35.16
